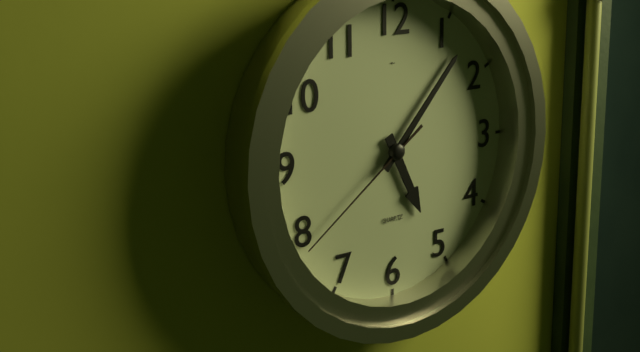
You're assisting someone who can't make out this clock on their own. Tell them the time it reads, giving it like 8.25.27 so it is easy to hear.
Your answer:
5.07.39
